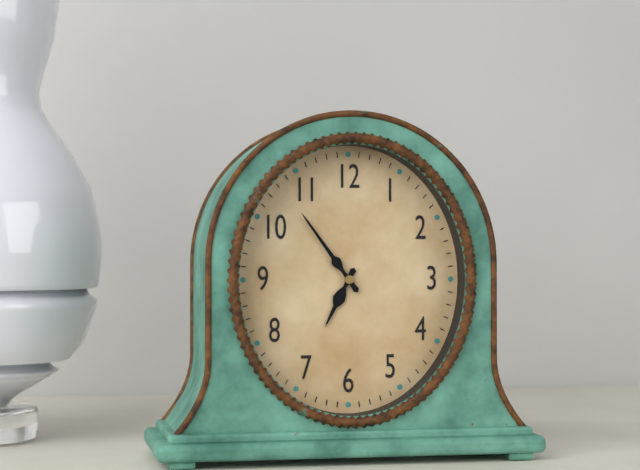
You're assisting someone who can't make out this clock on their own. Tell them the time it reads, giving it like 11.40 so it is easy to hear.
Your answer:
6.54
